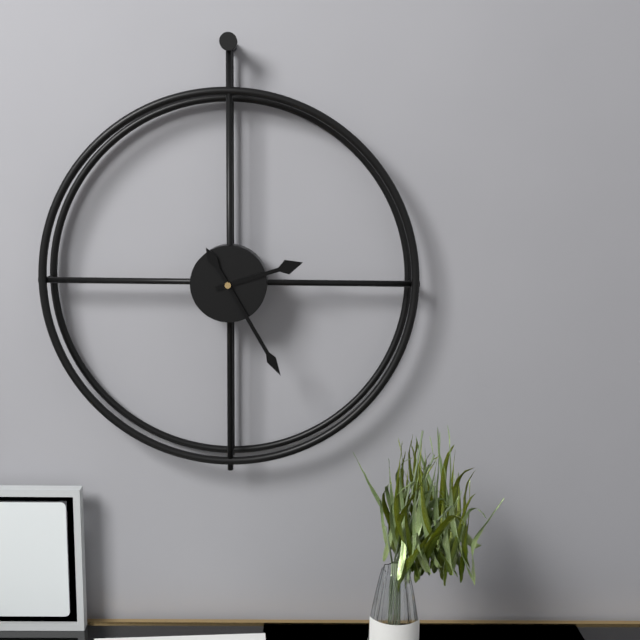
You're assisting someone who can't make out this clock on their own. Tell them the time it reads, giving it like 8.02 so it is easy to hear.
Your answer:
2.25
